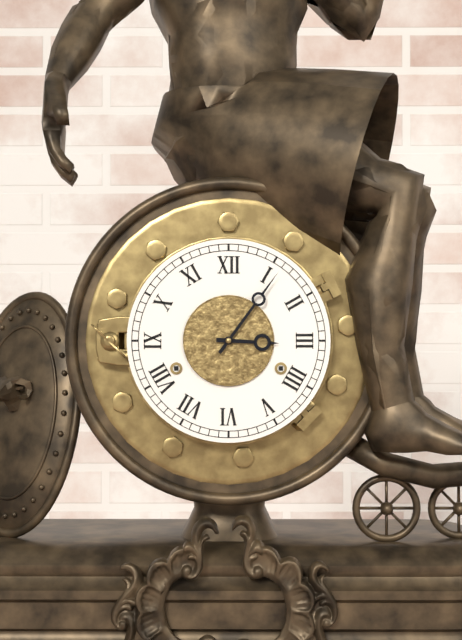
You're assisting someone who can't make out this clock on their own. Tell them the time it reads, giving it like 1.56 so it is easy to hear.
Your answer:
3.06
